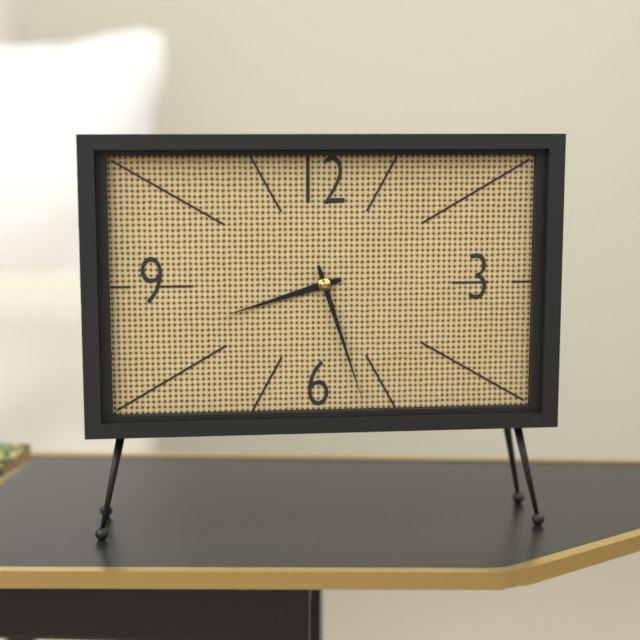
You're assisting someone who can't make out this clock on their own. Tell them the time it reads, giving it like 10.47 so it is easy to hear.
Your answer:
8.27
